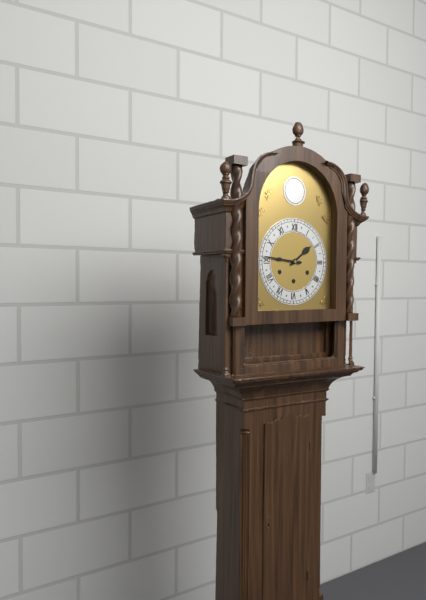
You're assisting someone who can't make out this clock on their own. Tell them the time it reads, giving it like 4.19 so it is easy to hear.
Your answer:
1.46
